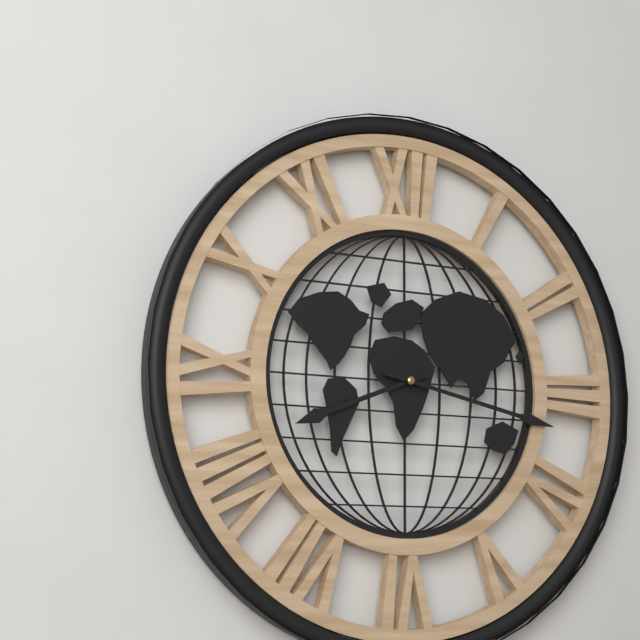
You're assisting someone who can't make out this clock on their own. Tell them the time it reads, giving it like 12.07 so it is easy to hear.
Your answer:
8.17
